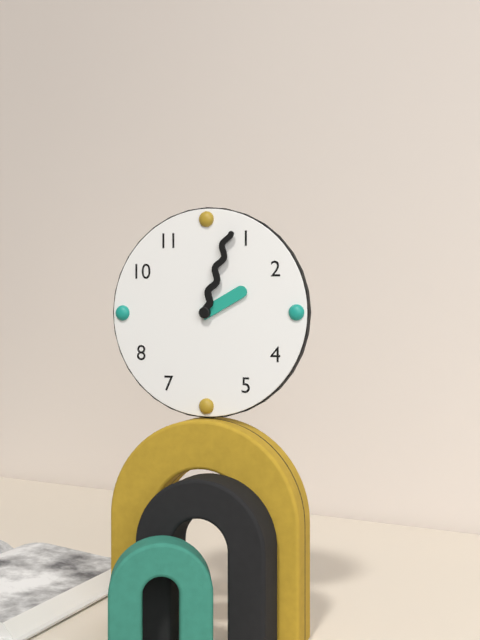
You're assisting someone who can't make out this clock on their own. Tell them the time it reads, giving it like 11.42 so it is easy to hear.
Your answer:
2.03
